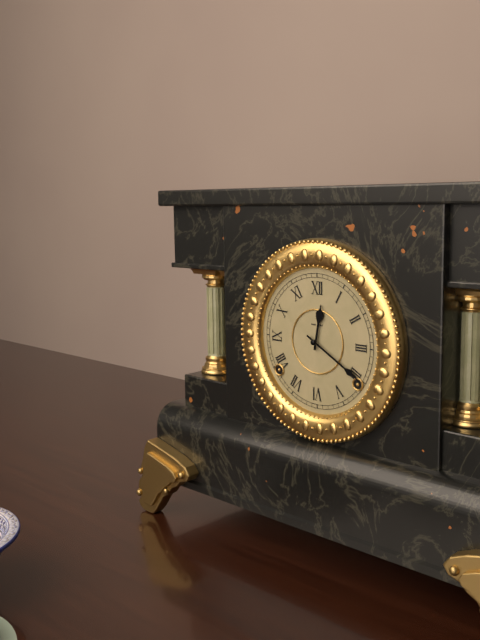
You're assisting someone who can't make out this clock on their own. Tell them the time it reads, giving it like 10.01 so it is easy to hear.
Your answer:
12.20
